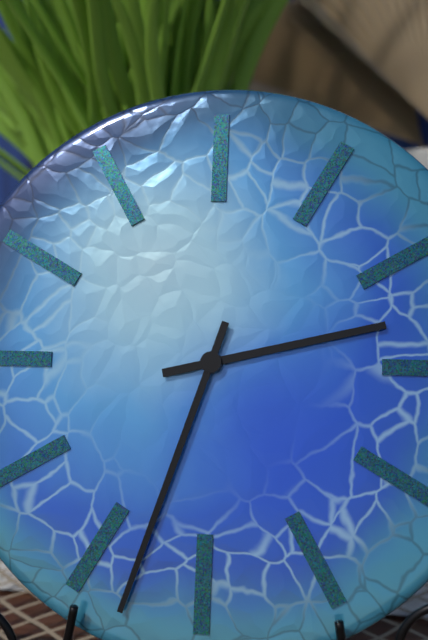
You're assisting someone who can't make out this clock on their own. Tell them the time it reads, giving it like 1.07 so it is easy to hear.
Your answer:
2.33
